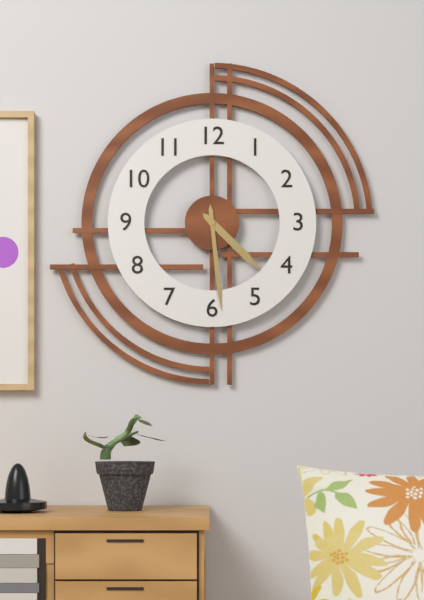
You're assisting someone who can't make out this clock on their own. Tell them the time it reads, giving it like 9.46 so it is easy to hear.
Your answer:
4.29
